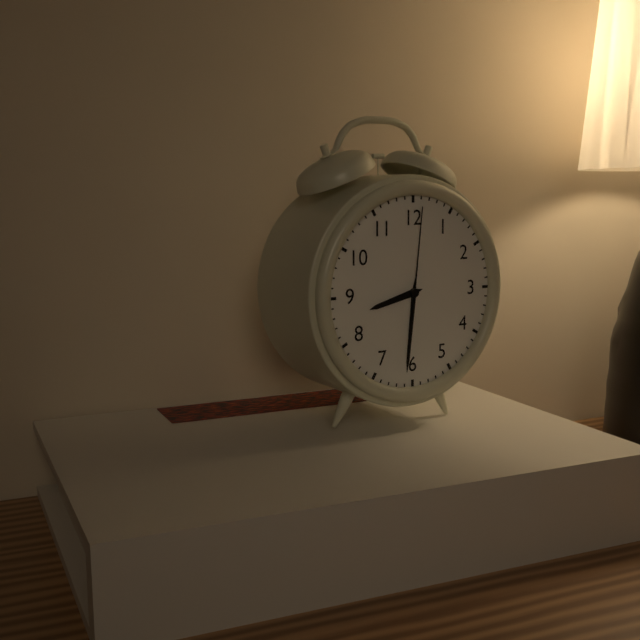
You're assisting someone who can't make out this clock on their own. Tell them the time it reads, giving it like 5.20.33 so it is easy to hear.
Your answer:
8.31.01
